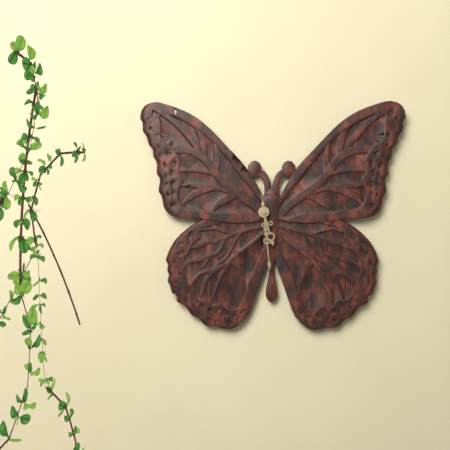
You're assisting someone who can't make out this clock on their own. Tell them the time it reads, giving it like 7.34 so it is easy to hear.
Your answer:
5.29
